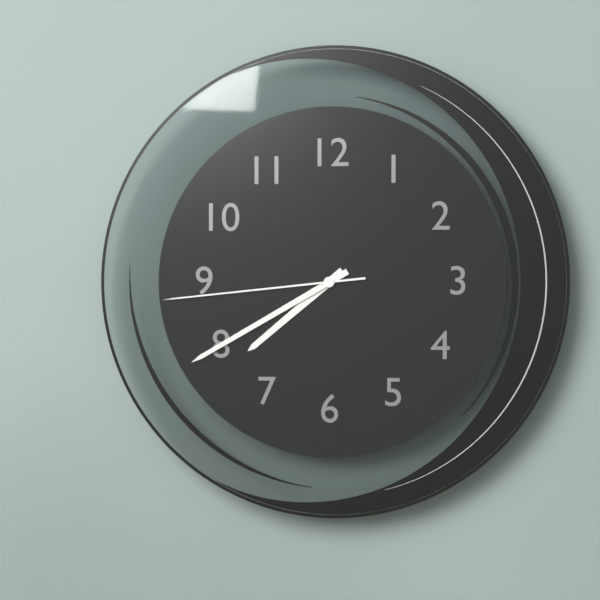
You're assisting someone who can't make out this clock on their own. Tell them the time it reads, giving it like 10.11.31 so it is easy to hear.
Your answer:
7.40.44
